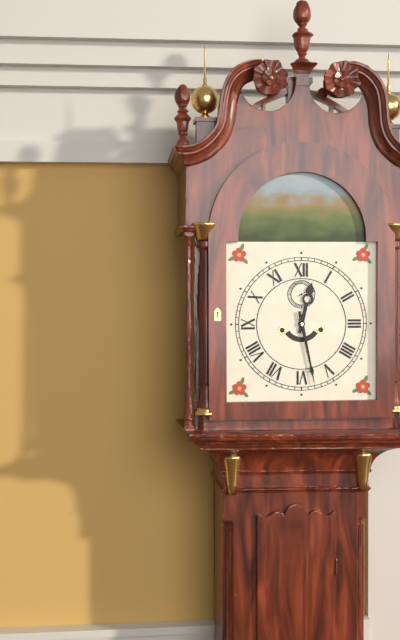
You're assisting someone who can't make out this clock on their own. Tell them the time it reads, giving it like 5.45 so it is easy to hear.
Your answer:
12.28
